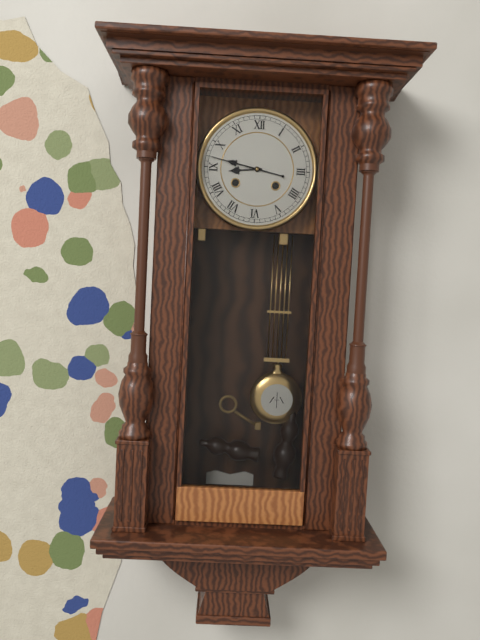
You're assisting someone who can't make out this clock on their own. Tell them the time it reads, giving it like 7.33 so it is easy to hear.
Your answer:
8.47
